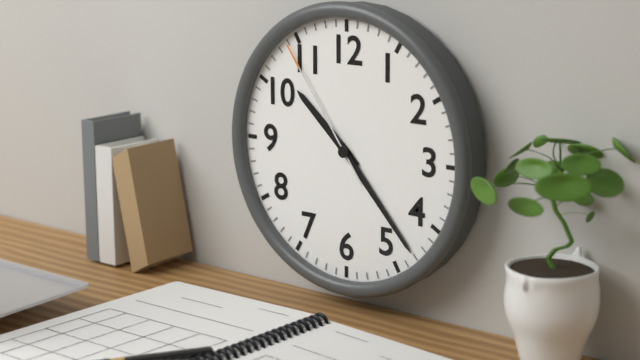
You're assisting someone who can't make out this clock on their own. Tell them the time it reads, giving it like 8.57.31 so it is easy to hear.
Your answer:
10.23.54
